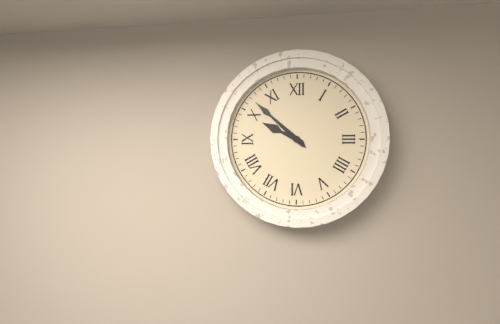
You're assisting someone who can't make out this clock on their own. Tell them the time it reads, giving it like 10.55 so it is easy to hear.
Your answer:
9.52
